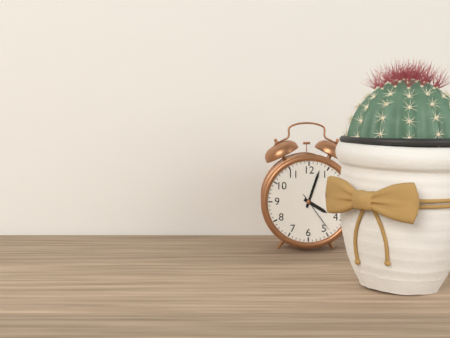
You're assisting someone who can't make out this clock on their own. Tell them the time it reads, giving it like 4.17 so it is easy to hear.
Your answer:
4.03
